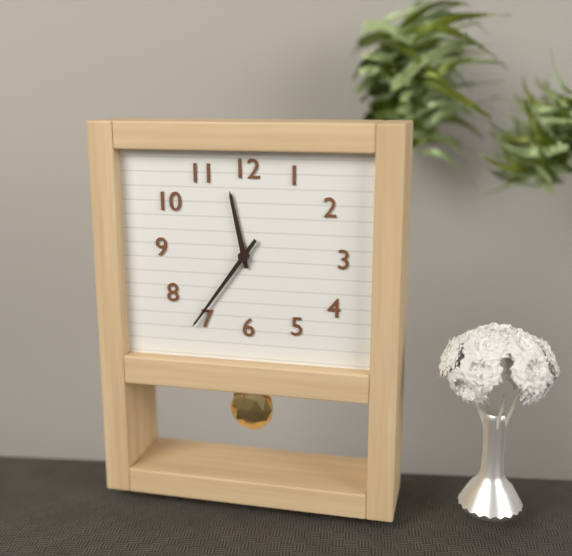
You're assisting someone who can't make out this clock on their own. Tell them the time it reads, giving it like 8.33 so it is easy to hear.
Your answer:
11.36
